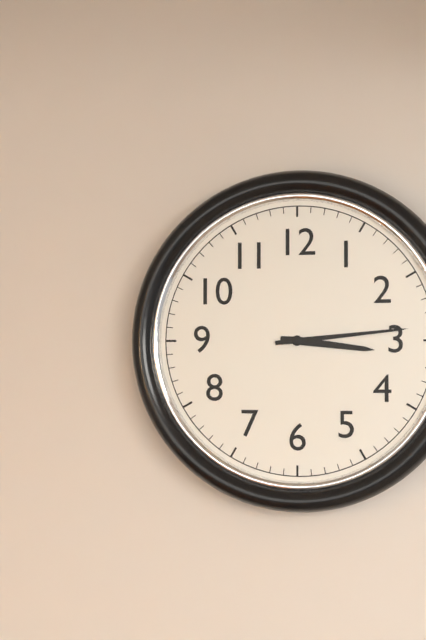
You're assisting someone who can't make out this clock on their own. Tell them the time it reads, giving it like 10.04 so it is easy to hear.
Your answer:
3.14
